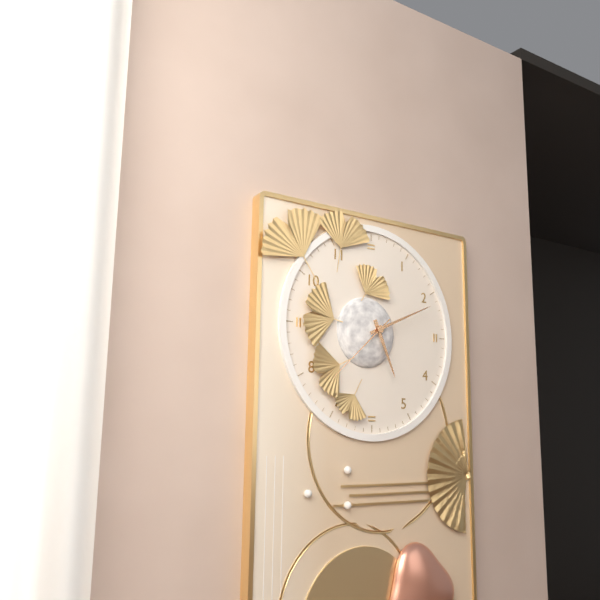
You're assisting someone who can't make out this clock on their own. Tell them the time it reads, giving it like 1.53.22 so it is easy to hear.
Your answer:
5.11.38
